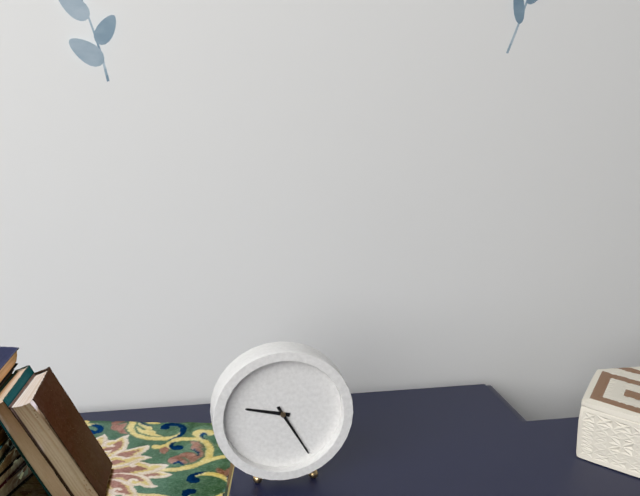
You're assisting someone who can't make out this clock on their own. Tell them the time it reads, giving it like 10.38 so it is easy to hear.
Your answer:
9.25
